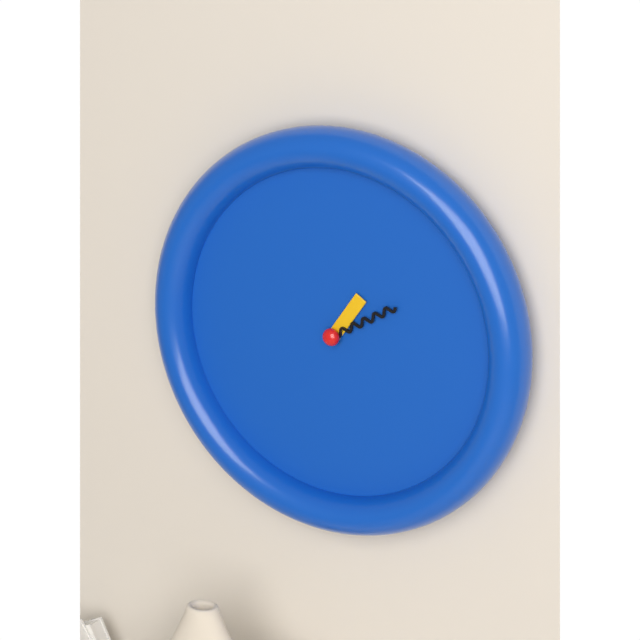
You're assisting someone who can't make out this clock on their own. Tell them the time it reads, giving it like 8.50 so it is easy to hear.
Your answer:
1.10
